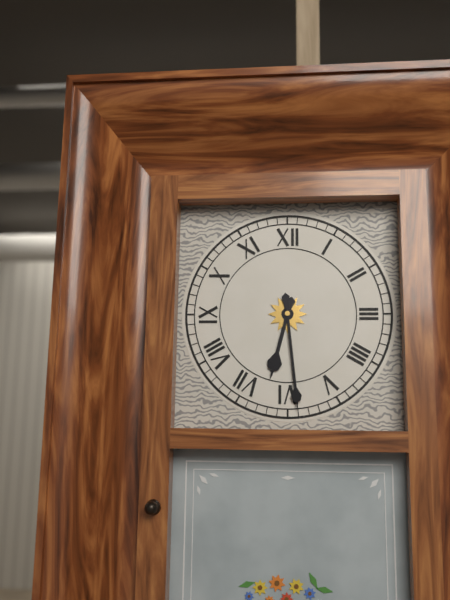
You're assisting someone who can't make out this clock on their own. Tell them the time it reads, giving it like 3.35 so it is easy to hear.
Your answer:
6.29
